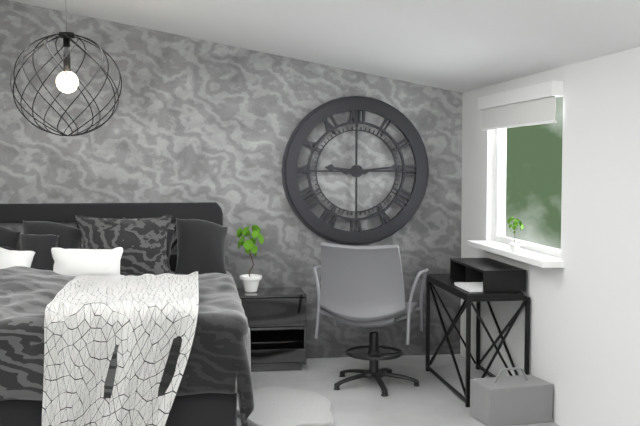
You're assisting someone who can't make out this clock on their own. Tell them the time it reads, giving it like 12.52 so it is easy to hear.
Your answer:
9.14
